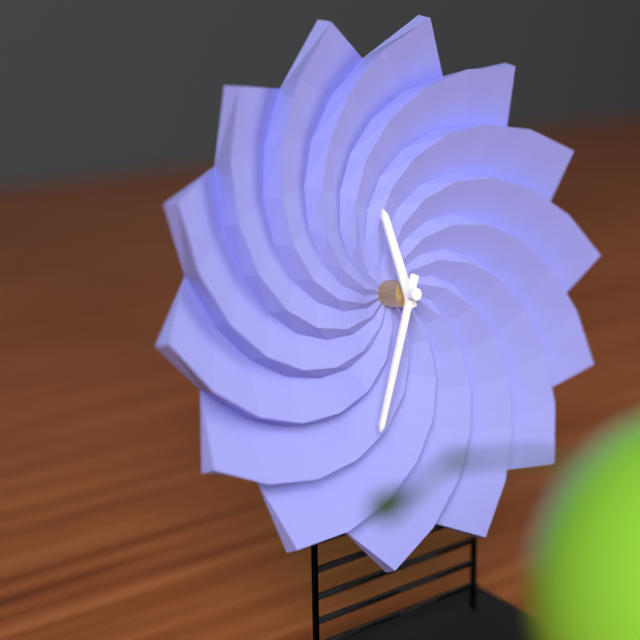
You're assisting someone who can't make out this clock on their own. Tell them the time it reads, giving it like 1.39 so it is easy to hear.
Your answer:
11.34
